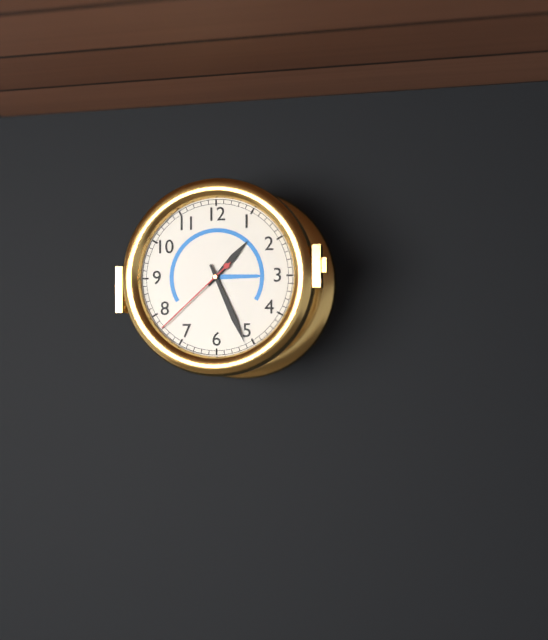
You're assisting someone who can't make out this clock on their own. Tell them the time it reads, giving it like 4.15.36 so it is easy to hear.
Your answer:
1.26.38
